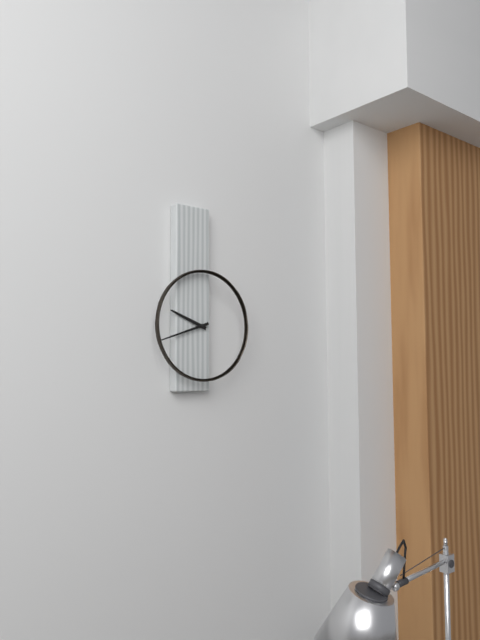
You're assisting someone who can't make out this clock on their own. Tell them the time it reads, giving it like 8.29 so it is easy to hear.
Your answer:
9.42
